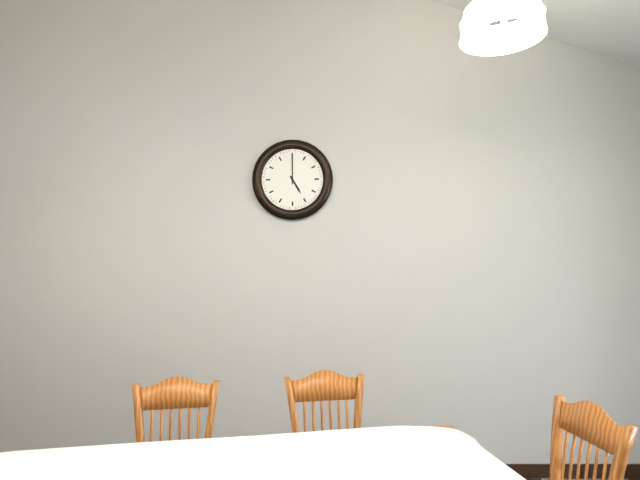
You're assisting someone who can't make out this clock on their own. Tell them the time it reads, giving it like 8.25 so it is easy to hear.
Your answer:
5.00
